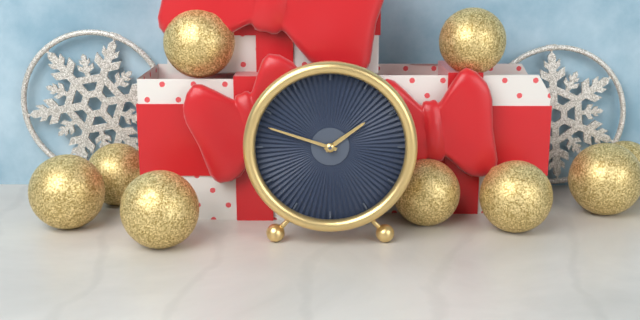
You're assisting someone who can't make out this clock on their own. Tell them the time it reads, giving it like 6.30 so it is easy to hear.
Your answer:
1.48
